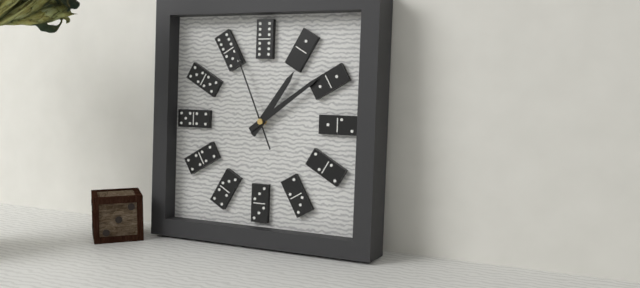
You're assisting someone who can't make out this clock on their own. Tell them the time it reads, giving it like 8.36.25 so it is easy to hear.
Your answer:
1.09.56
